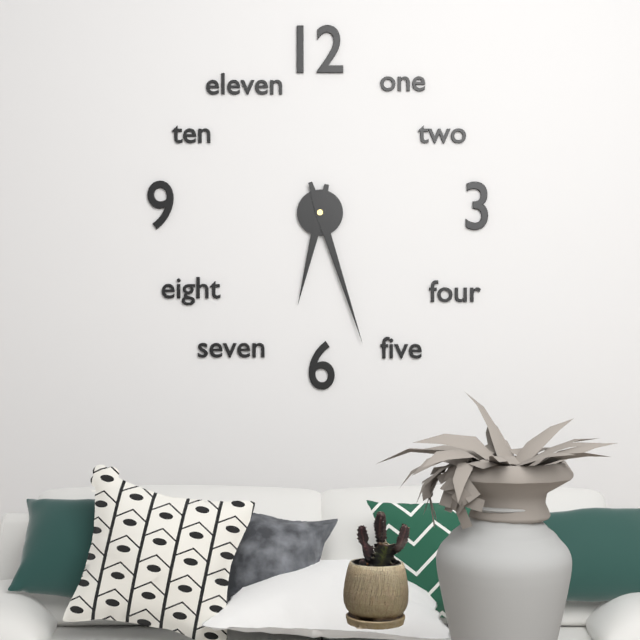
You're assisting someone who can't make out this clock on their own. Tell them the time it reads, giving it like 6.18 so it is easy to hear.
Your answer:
6.27
